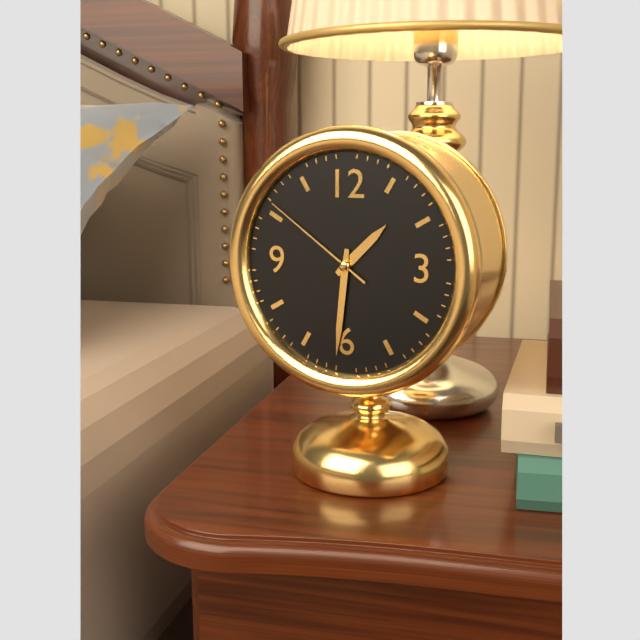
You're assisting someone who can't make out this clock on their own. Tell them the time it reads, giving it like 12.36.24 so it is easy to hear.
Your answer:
1.31.51
